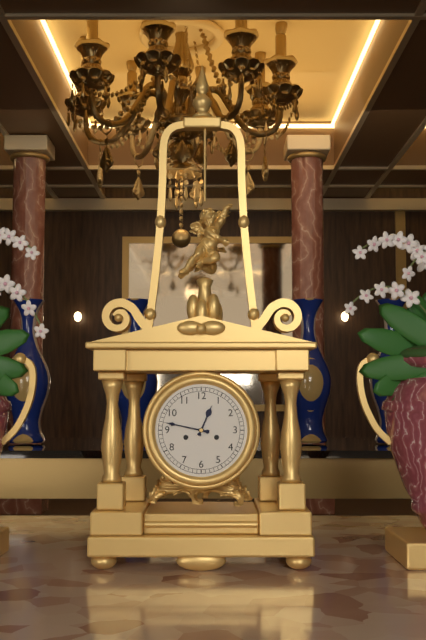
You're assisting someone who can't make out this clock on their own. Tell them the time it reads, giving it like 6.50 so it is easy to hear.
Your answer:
12.47
